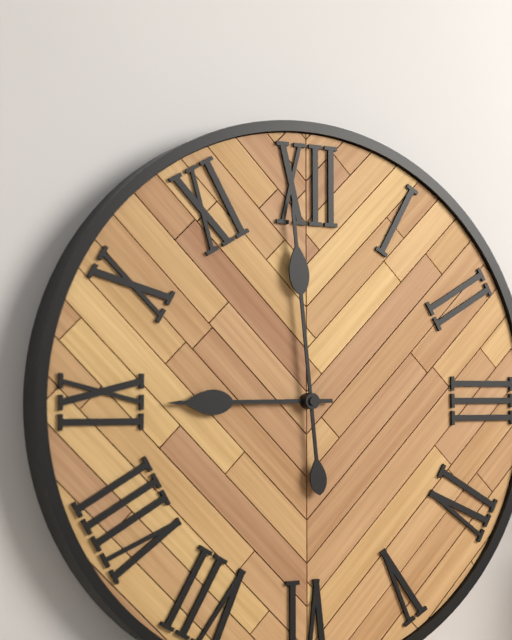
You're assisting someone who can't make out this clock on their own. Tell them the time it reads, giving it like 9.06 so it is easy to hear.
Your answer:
8.59
